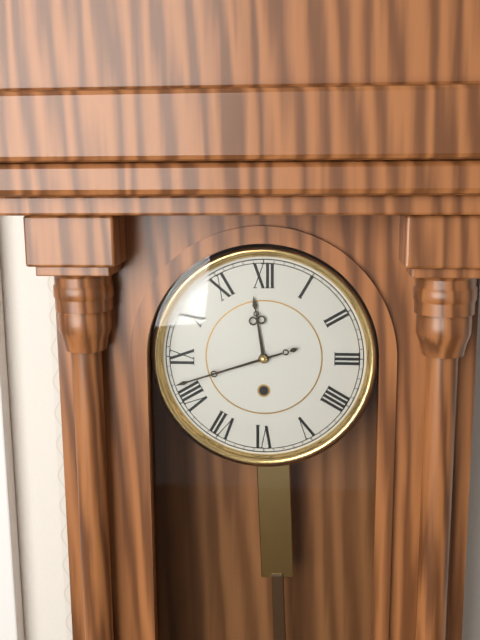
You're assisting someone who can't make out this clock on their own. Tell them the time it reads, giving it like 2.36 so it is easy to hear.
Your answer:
11.42
